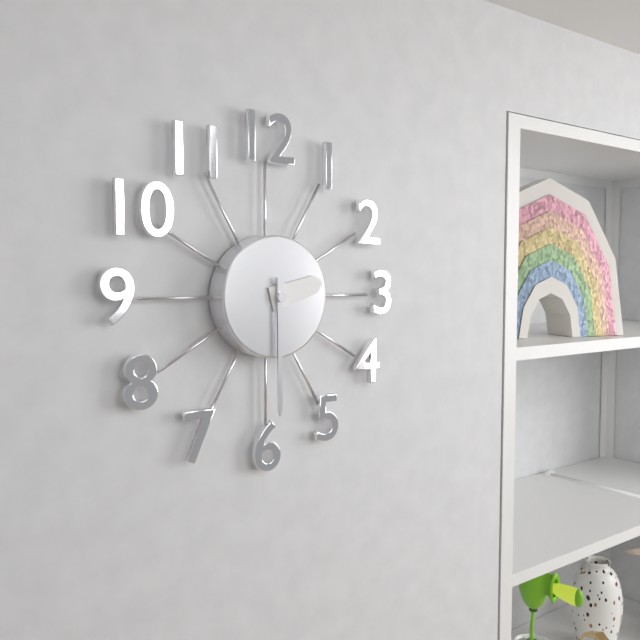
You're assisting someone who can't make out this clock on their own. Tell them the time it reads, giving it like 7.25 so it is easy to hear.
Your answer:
2.30
